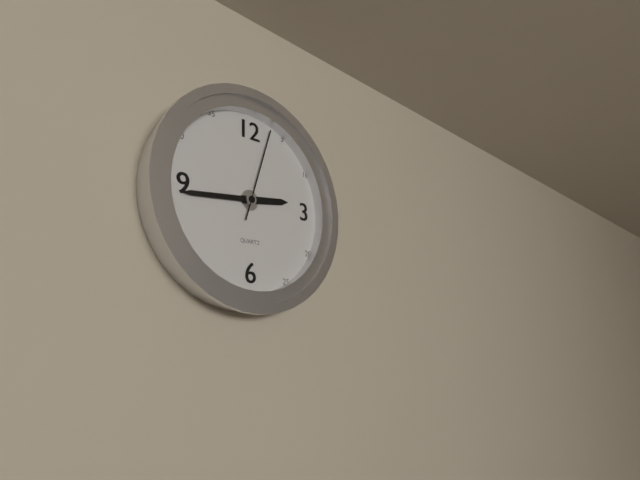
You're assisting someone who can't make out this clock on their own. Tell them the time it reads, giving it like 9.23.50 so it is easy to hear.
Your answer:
2.44.03
